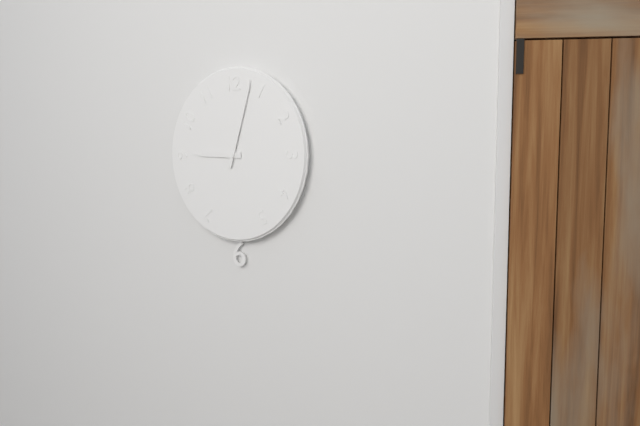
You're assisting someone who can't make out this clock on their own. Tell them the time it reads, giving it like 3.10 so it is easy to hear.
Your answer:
9.03
